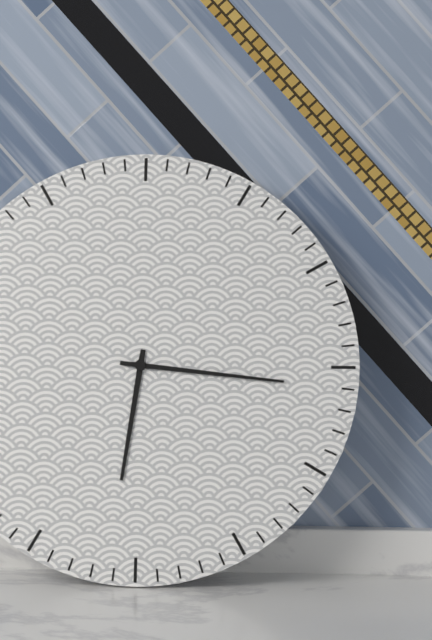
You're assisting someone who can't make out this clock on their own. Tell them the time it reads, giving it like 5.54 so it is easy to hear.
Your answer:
6.16
